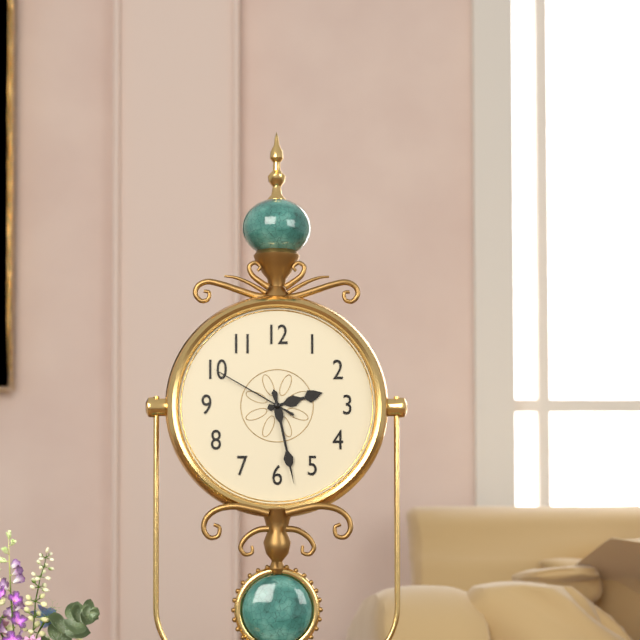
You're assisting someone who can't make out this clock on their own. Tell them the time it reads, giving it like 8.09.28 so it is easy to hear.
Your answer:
2.28.50
